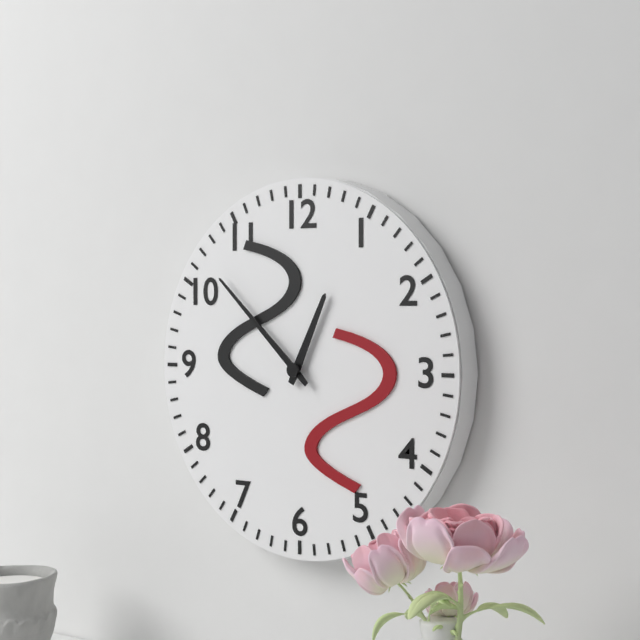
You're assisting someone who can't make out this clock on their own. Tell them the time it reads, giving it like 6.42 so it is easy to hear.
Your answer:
12.52
